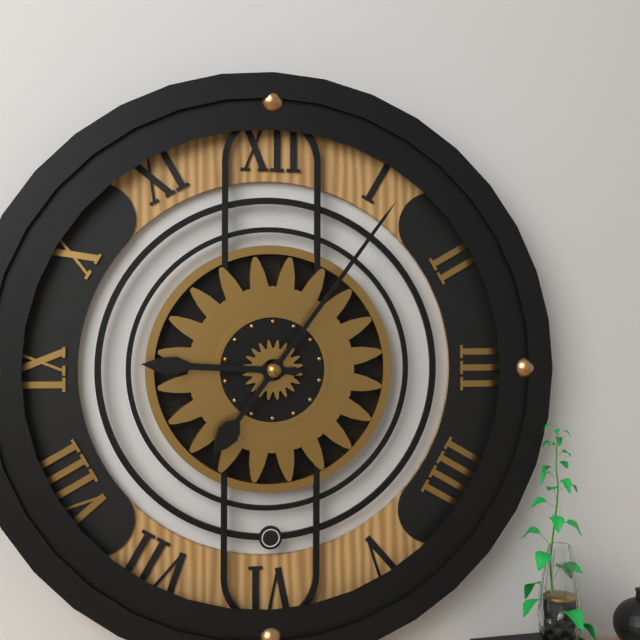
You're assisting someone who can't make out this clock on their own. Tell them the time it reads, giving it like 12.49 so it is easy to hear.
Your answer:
9.06
